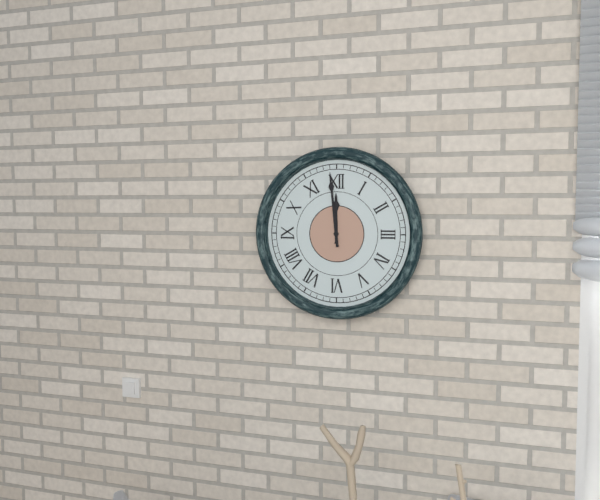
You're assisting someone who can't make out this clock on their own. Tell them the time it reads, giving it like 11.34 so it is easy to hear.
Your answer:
11.59
